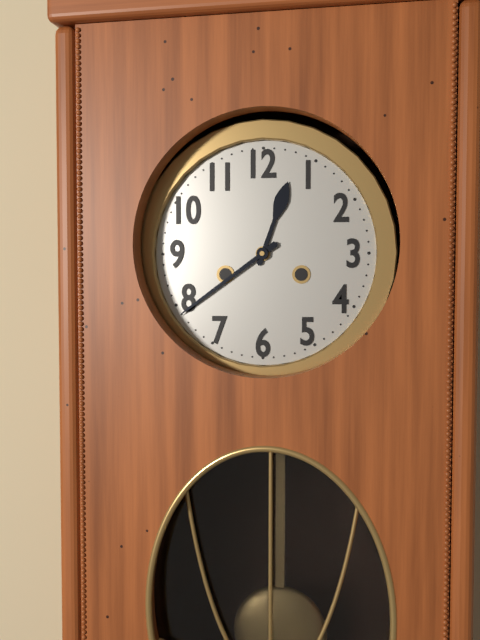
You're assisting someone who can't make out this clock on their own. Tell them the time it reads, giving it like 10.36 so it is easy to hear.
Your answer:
12.39
